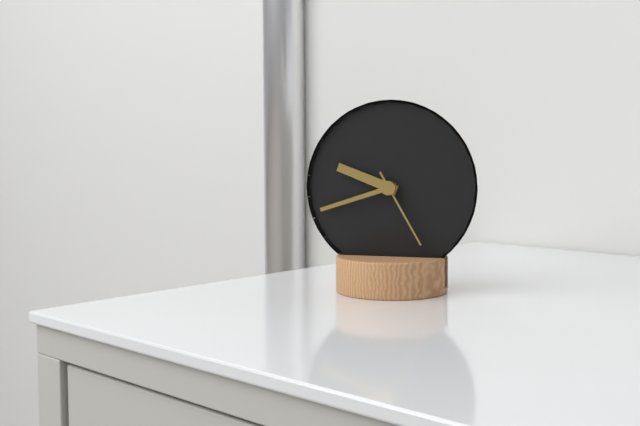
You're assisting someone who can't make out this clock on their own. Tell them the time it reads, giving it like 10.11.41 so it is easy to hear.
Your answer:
9.42.25
